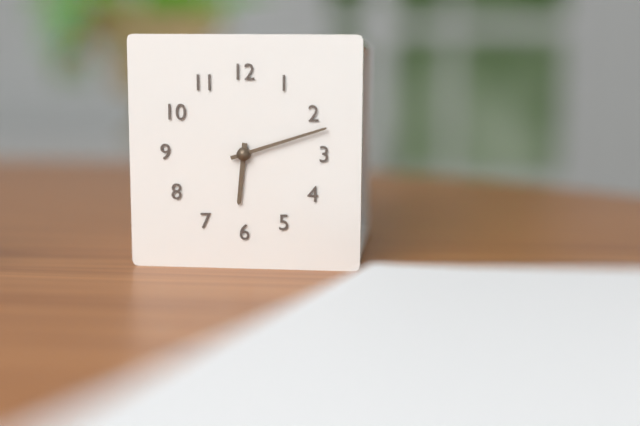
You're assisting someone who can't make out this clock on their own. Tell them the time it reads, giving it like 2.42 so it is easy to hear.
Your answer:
6.12
